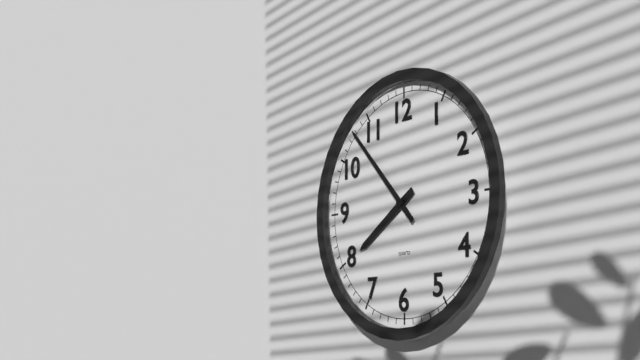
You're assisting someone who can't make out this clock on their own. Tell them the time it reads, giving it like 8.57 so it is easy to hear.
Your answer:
7.53
